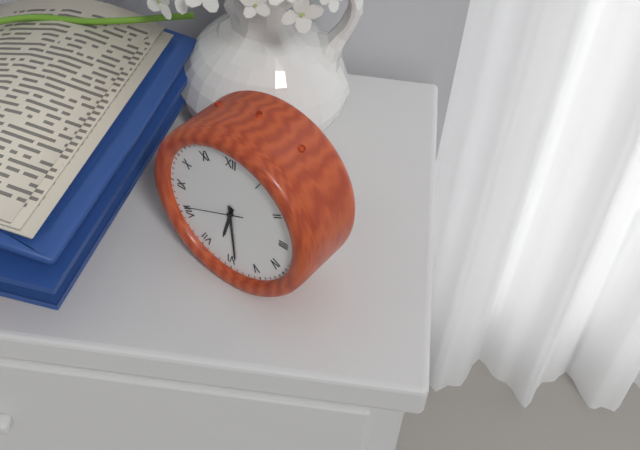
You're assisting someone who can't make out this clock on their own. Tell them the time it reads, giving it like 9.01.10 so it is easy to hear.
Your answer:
6.29.41
